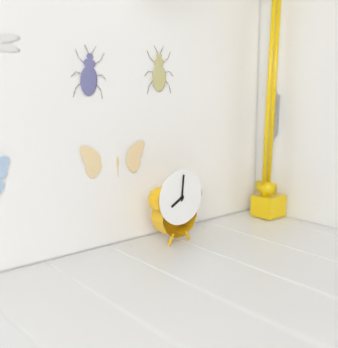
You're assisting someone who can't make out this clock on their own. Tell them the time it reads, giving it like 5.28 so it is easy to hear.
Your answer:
8.01
